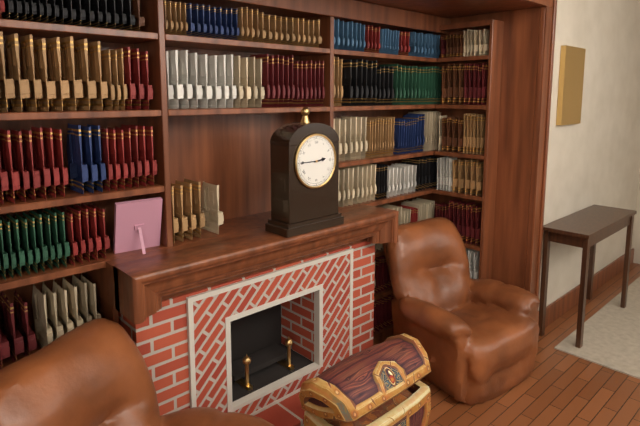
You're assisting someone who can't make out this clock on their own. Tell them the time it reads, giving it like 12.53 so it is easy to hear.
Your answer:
2.45
